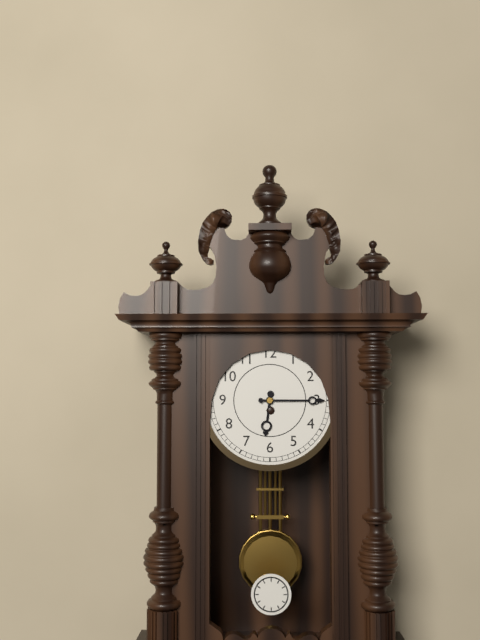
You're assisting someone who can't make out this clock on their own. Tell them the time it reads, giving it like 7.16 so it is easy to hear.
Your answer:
6.15
